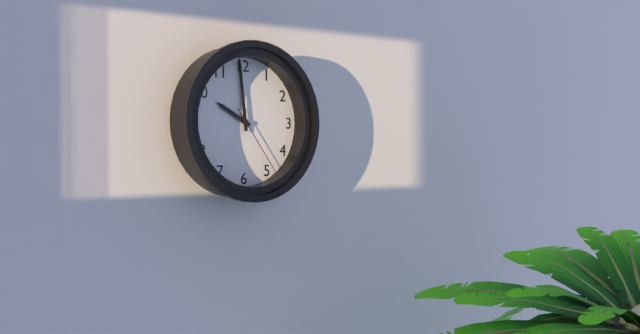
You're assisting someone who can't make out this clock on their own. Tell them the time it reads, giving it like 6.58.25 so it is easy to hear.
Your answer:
9.59.24
